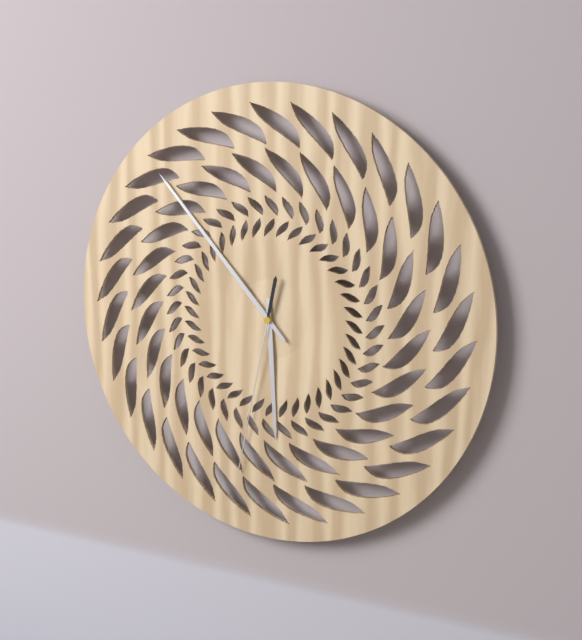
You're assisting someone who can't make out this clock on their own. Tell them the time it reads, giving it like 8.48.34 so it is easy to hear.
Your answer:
5.53.32
